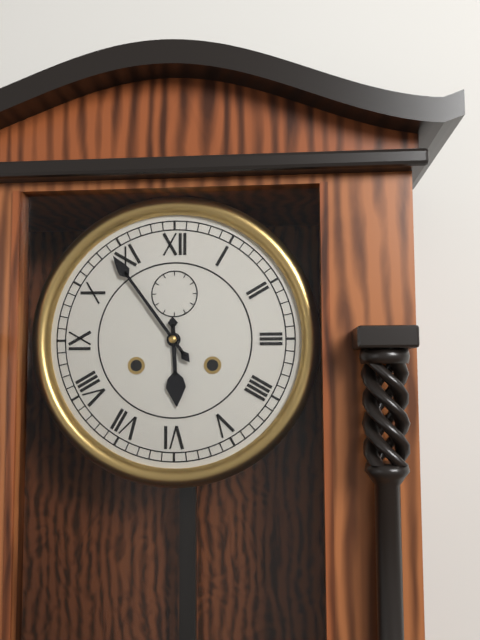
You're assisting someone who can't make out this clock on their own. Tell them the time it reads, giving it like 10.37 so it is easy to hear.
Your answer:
5.54
